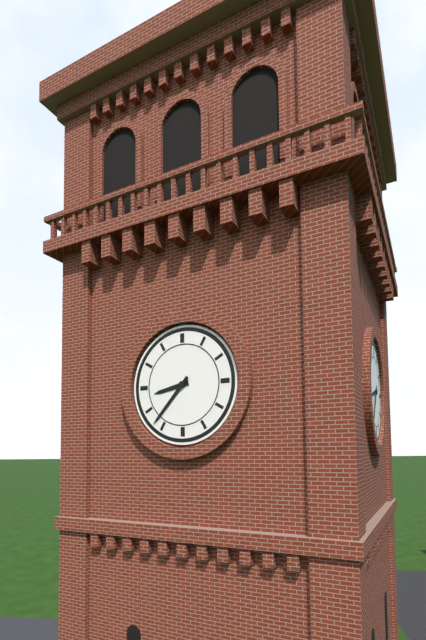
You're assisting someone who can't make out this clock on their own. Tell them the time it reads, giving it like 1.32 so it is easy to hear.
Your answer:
8.37
